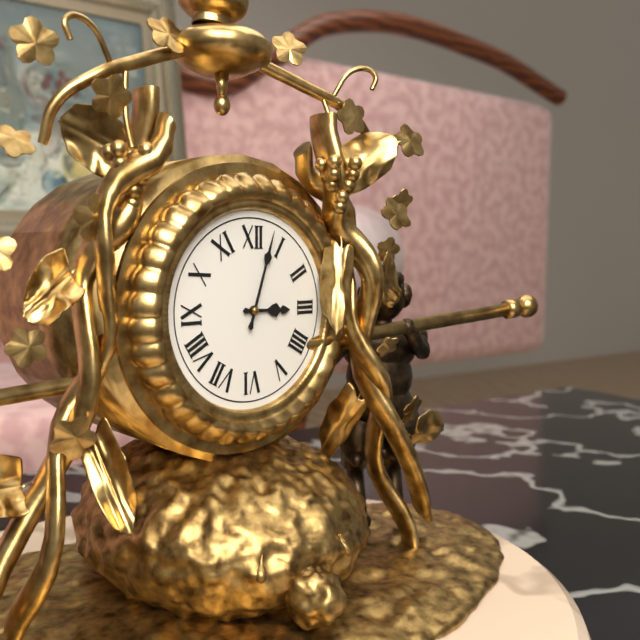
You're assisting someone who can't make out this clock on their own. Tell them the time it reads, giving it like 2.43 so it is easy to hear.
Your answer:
3.03
